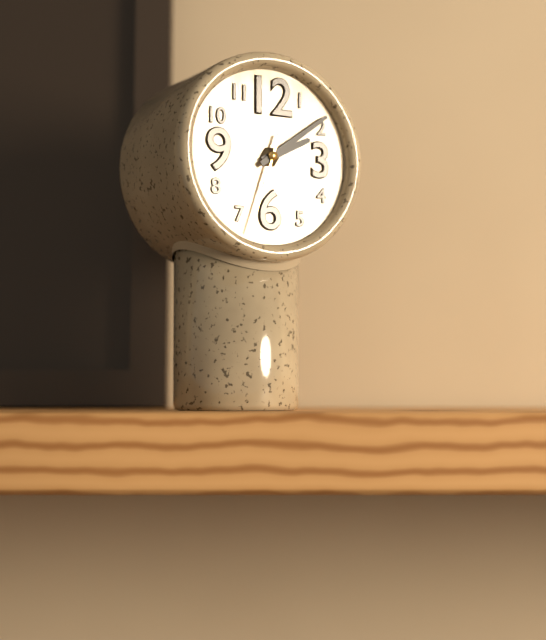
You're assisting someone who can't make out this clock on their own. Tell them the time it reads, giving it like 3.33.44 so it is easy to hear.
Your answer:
2.09.33
